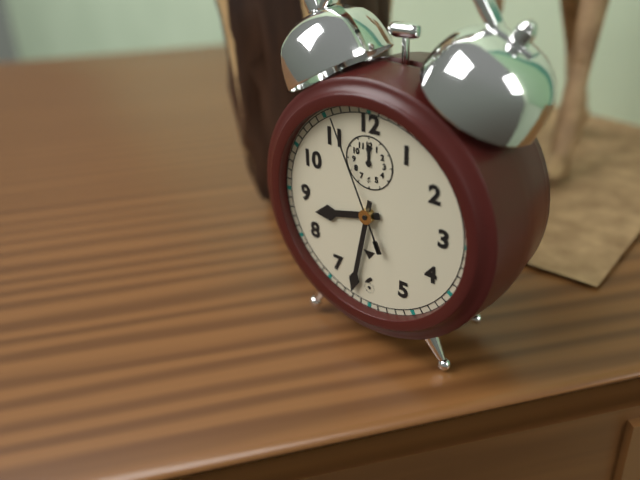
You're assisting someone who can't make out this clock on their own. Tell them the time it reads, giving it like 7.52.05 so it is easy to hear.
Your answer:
8.32.56
